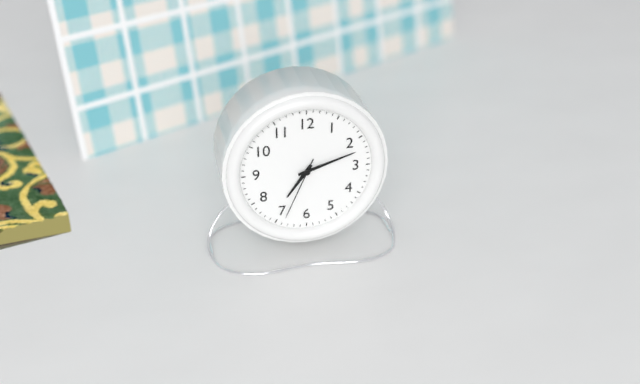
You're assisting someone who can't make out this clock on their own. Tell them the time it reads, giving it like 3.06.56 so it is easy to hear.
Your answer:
7.12.34
